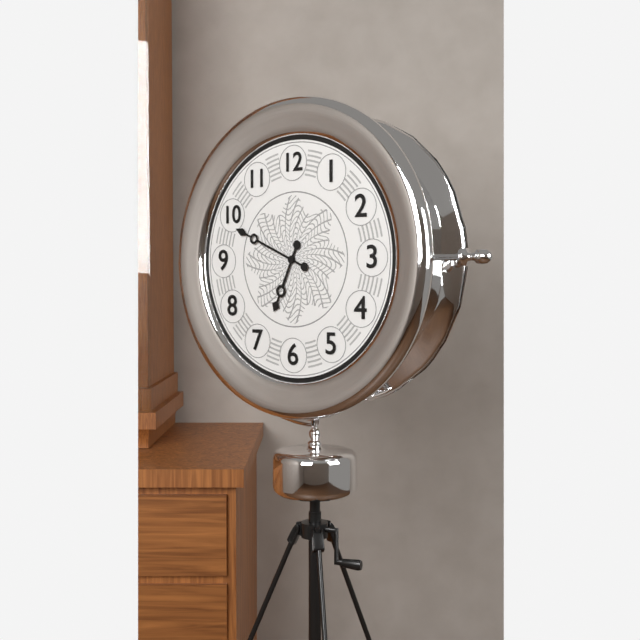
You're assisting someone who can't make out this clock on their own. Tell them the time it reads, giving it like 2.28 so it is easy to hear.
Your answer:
6.49
